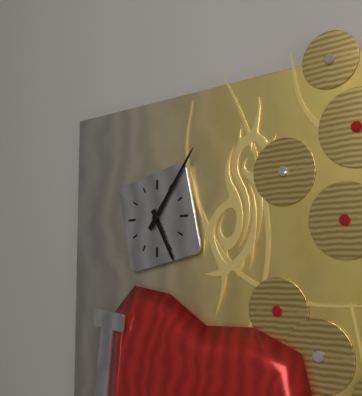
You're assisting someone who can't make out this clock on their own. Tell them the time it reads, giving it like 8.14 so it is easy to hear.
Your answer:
5.06
